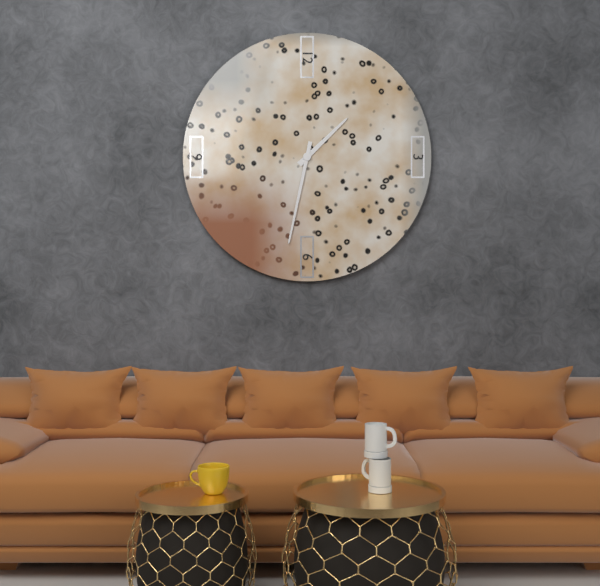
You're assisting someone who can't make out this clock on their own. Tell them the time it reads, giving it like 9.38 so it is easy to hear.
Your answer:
1.32
